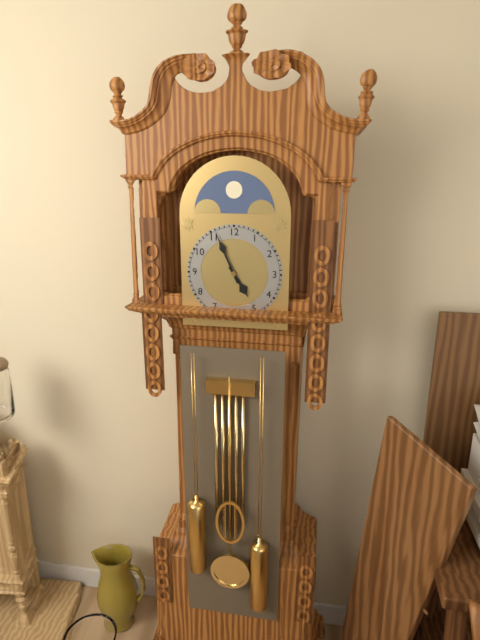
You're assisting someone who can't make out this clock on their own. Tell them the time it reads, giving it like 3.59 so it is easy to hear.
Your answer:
4.56
